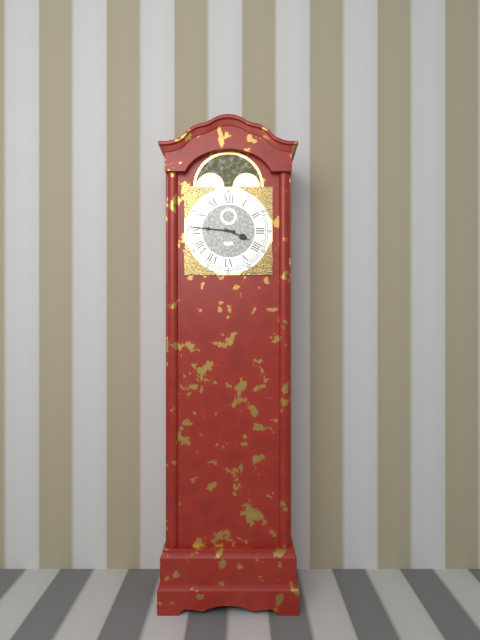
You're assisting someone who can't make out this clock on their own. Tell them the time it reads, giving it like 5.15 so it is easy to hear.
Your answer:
3.46
